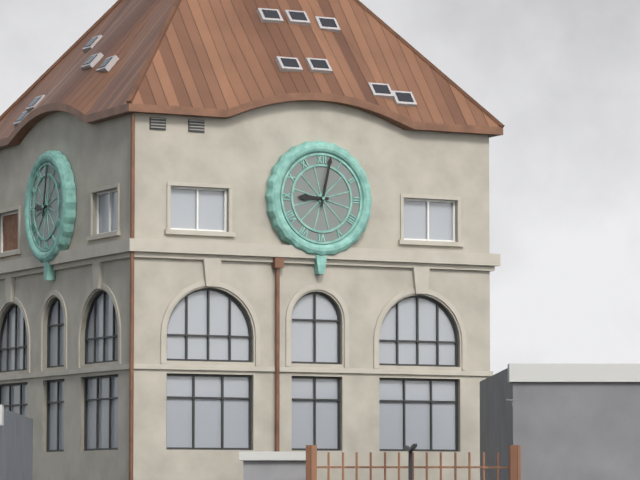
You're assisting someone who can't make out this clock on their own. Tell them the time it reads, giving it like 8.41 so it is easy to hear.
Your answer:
9.02
